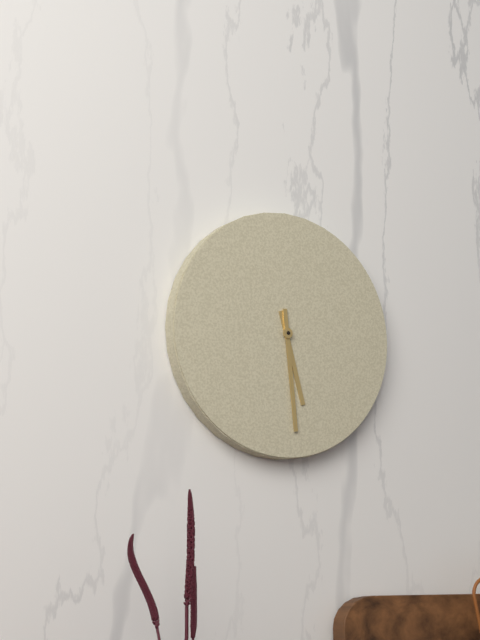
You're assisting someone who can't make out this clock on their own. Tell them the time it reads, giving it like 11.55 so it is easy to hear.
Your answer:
5.29
